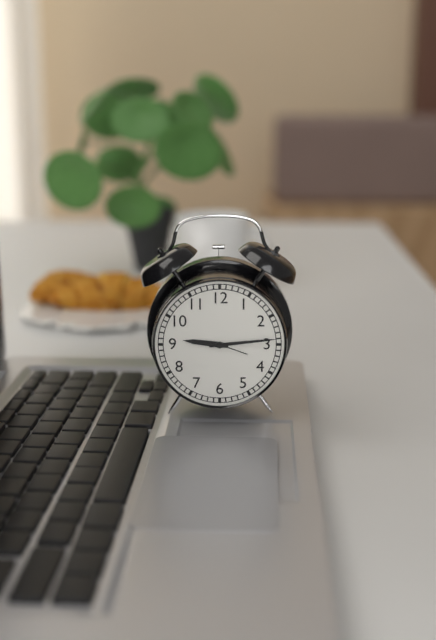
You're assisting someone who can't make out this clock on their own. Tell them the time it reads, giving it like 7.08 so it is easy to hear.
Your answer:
9.14
